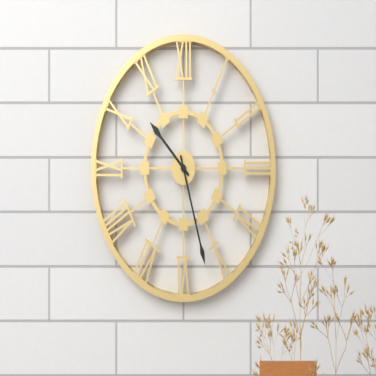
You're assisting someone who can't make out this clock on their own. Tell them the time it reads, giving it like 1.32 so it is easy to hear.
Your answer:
10.27
